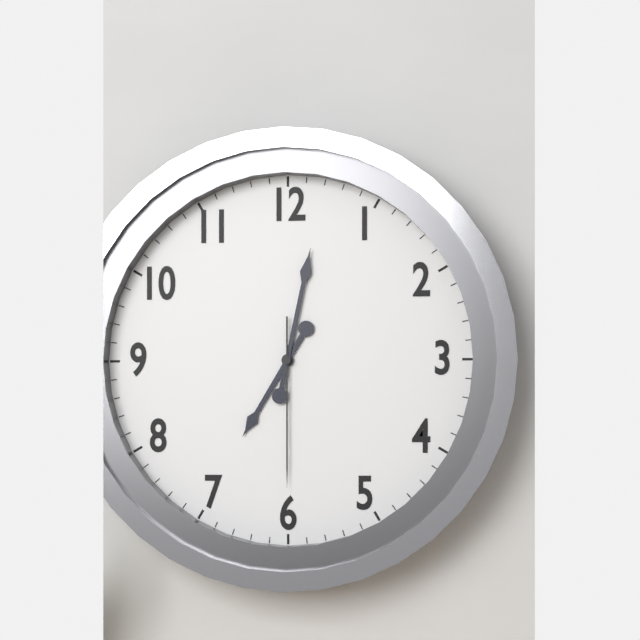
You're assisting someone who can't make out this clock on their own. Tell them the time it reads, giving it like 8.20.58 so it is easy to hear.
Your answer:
7.02.30
